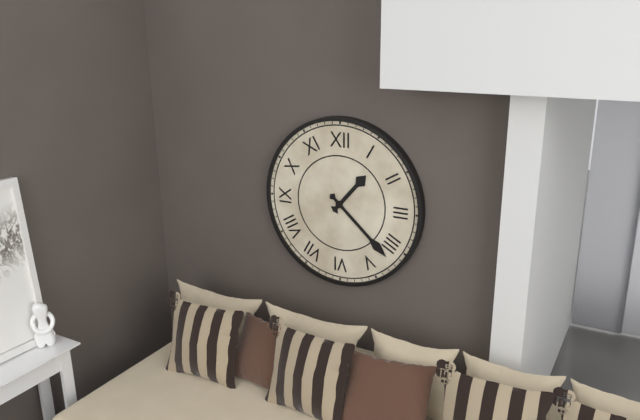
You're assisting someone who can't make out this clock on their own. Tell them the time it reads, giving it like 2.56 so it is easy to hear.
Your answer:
1.22
